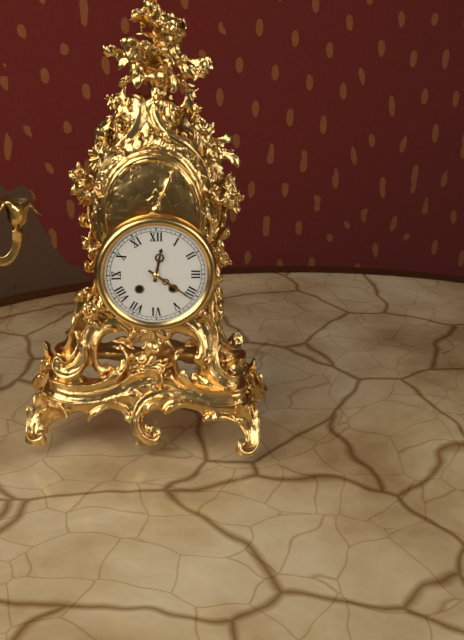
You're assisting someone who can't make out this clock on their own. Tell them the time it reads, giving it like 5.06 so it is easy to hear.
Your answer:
12.21
